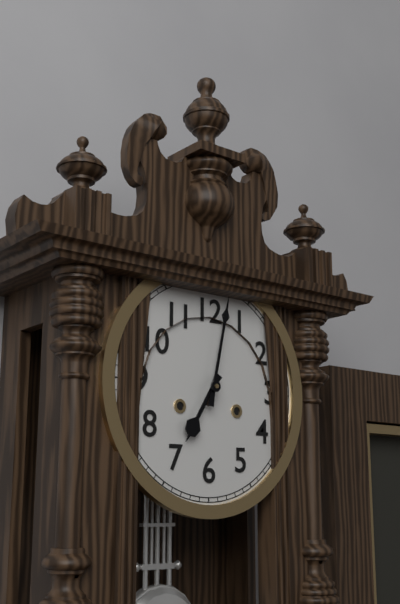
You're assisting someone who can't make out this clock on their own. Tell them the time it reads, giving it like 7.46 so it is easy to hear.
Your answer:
7.02
